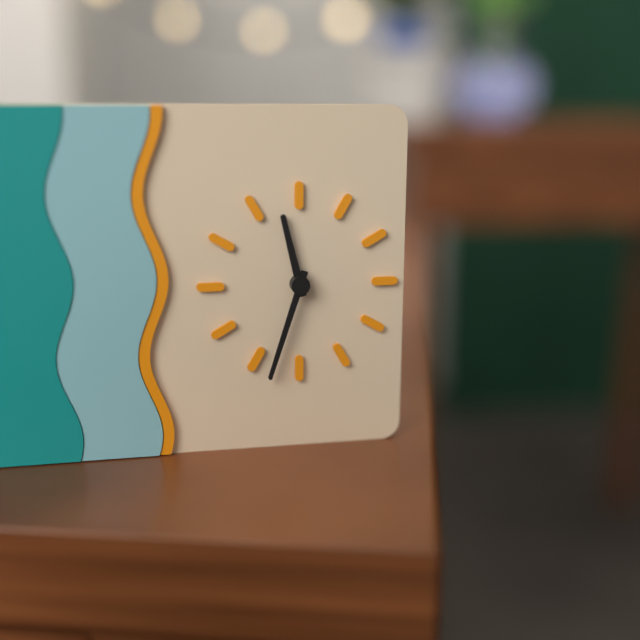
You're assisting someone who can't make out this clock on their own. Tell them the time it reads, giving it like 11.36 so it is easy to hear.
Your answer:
11.33
